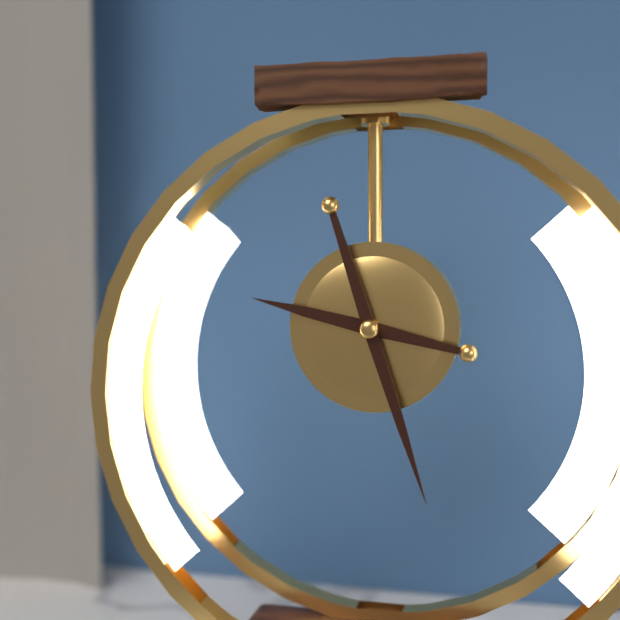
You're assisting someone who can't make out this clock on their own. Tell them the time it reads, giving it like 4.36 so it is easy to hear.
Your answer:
9.27
